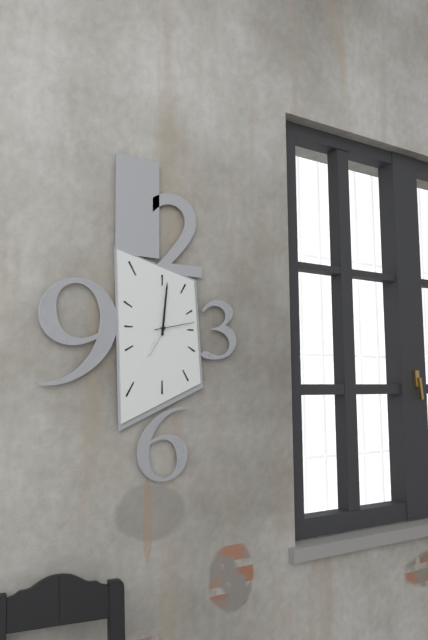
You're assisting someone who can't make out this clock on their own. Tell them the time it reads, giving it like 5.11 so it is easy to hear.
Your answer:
7.01
